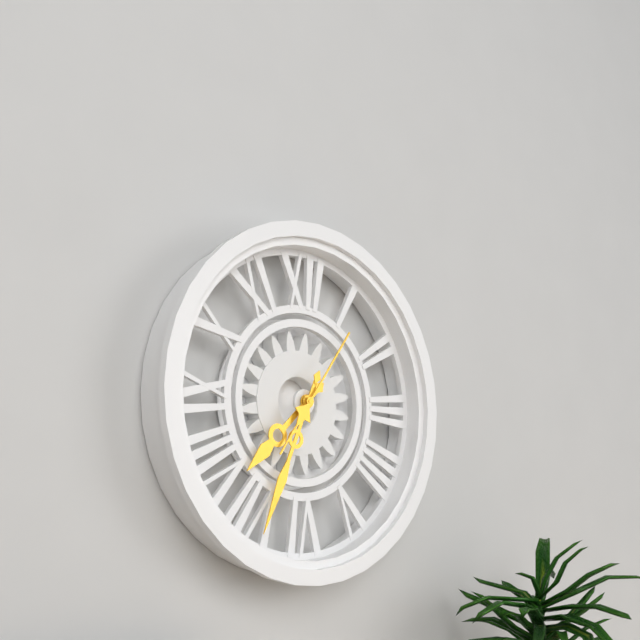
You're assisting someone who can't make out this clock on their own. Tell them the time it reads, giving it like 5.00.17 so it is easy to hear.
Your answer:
7.34.06
